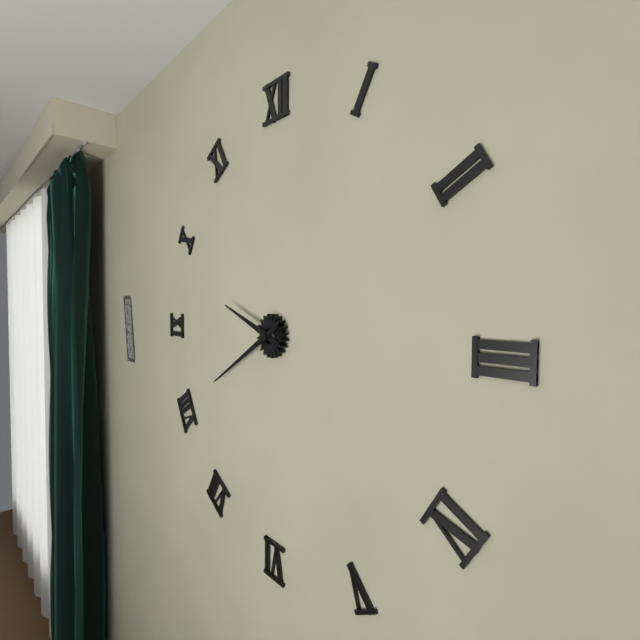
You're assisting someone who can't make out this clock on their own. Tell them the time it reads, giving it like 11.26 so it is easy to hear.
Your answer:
9.40
